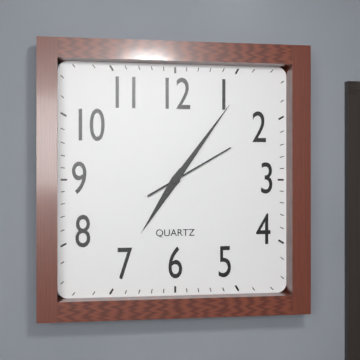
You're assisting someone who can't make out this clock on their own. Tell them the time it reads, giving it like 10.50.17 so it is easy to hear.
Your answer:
7.06.10
